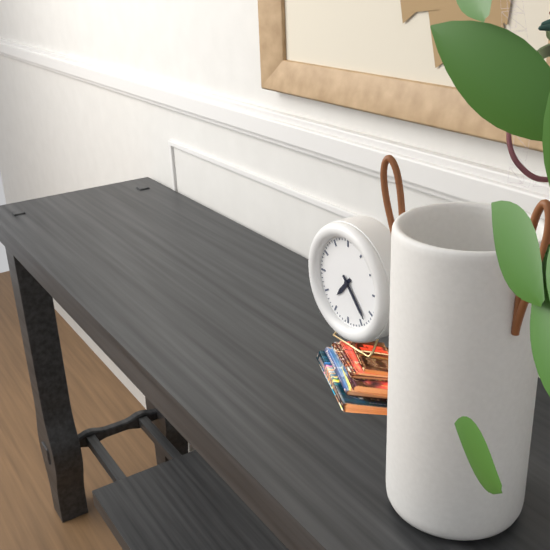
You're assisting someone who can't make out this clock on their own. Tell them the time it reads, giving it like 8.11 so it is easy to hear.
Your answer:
7.23
